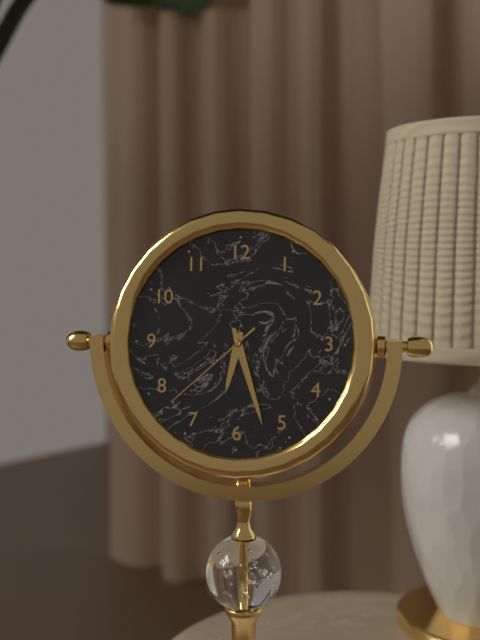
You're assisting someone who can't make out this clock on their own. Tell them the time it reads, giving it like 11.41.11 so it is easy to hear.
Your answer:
6.27.38
